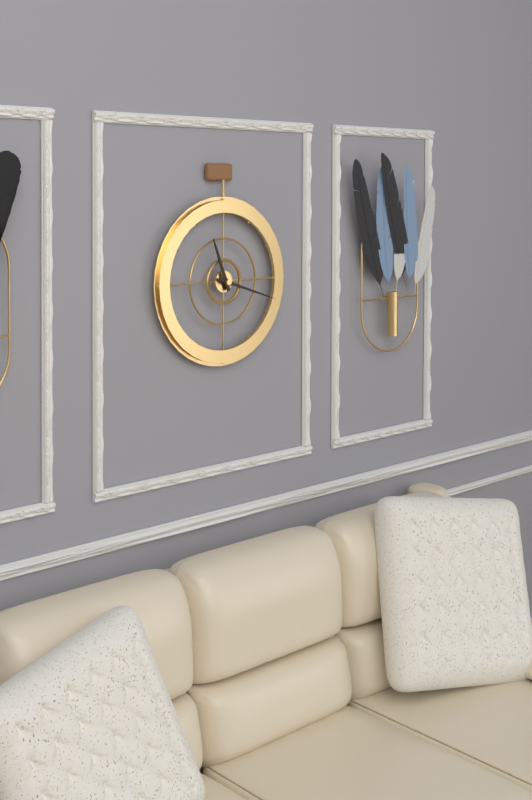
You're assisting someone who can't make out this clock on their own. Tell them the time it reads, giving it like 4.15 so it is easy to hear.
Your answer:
11.18
